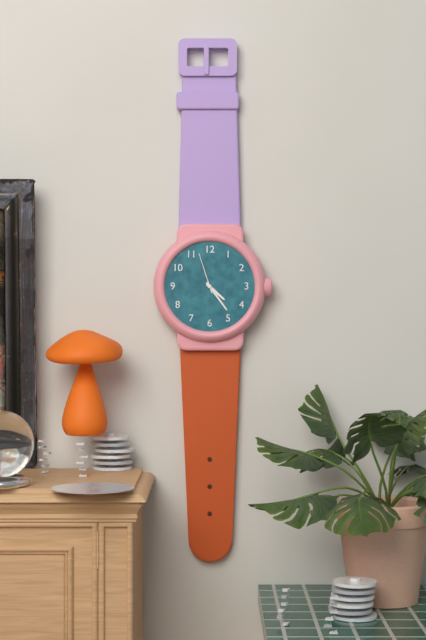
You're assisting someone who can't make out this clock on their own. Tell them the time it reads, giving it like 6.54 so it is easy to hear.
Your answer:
4.24
